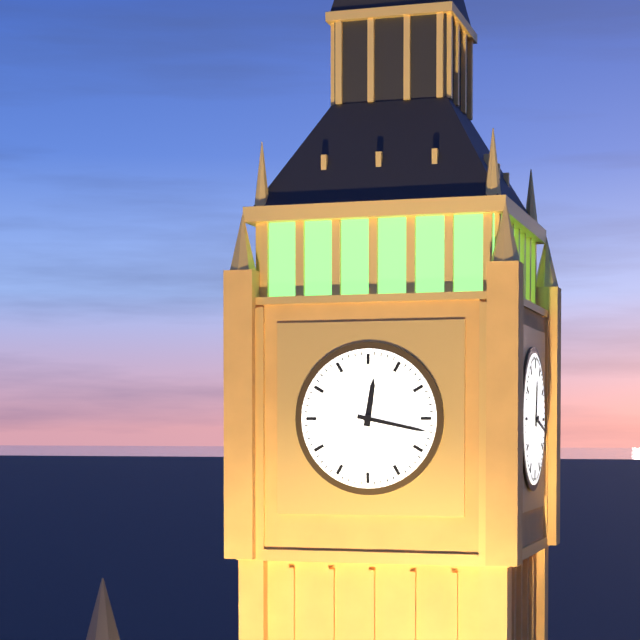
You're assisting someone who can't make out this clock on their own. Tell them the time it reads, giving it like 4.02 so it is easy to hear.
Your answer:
12.17
